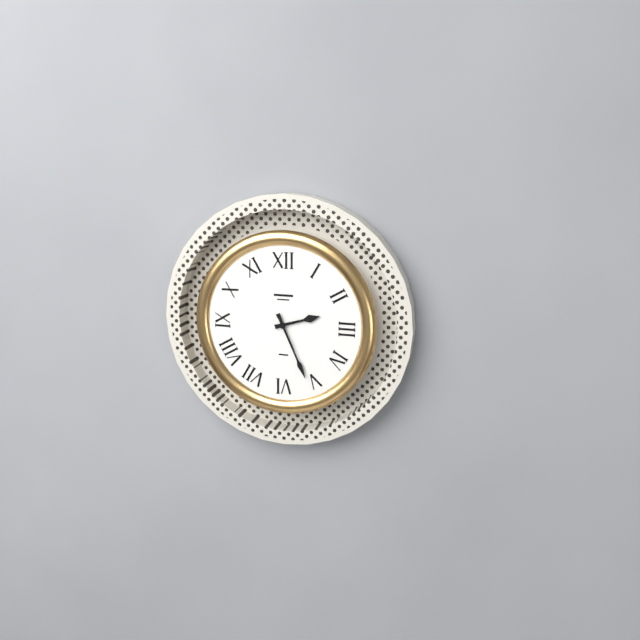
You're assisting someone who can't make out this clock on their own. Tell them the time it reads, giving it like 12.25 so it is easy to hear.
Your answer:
2.26
